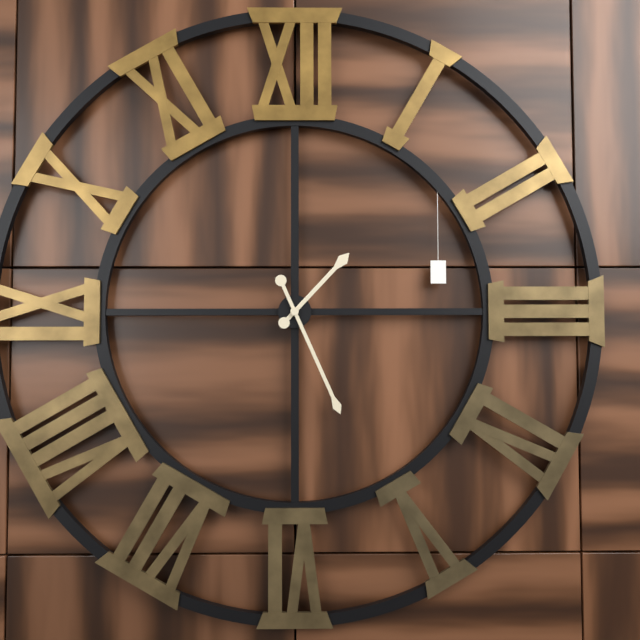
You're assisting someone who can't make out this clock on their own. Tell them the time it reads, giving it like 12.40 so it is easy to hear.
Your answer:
1.26
